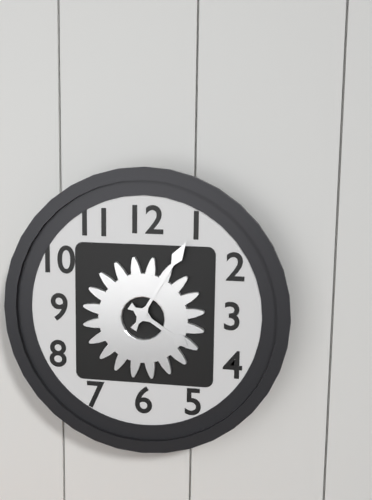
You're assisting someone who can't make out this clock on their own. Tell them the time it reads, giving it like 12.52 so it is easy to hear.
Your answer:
4.05
